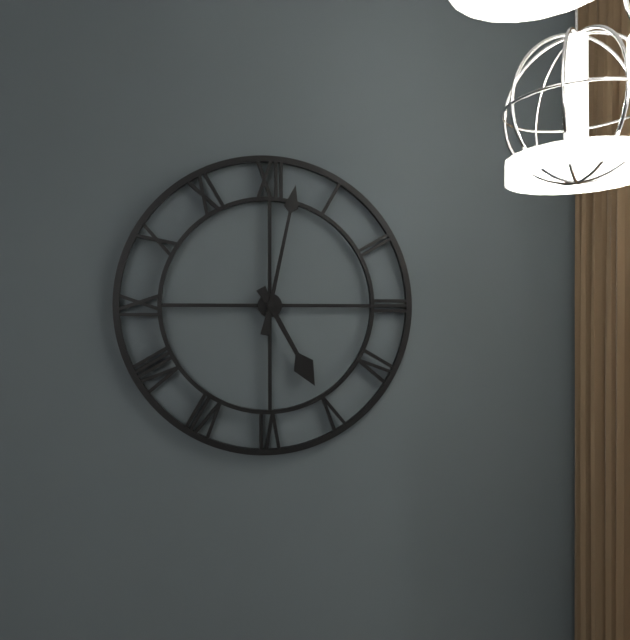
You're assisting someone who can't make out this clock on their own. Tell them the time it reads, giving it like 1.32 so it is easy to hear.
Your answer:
5.02
